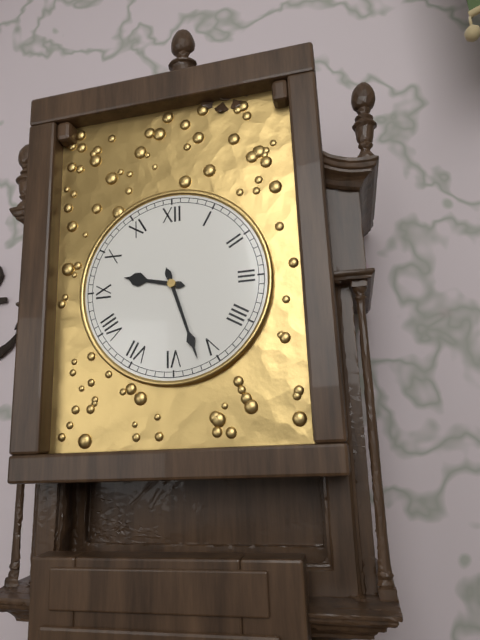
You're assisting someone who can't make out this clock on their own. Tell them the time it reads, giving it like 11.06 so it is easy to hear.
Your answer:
9.27
